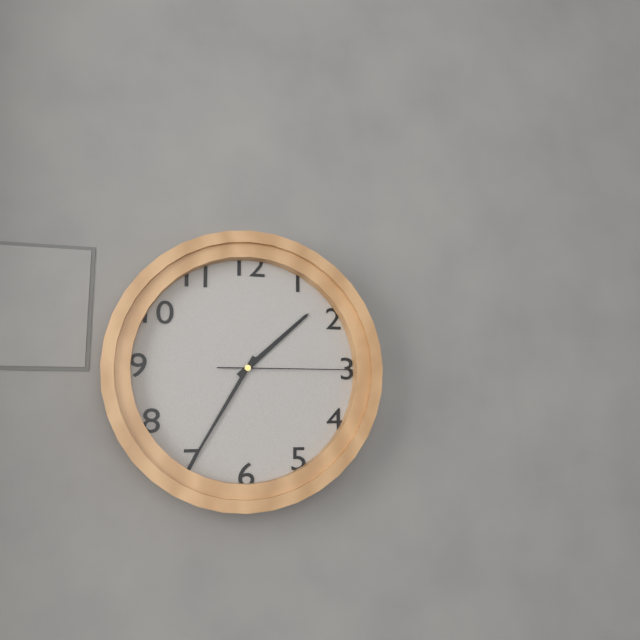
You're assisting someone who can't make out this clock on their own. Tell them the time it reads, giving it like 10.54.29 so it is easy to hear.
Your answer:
1.35.15
